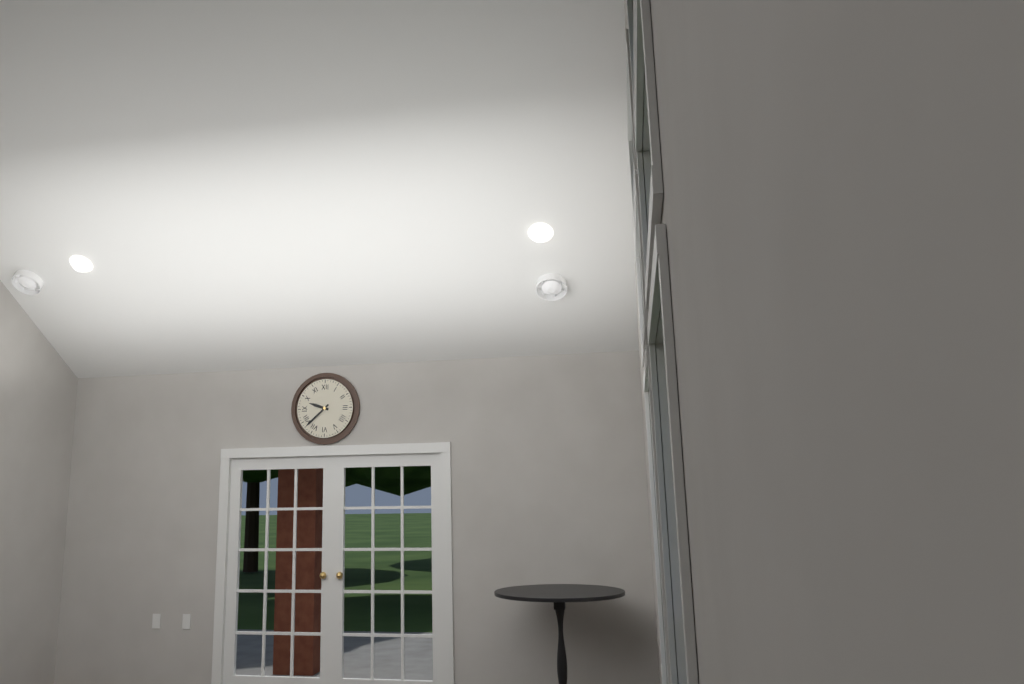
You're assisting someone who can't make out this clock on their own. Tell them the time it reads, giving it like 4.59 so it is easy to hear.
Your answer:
9.38
